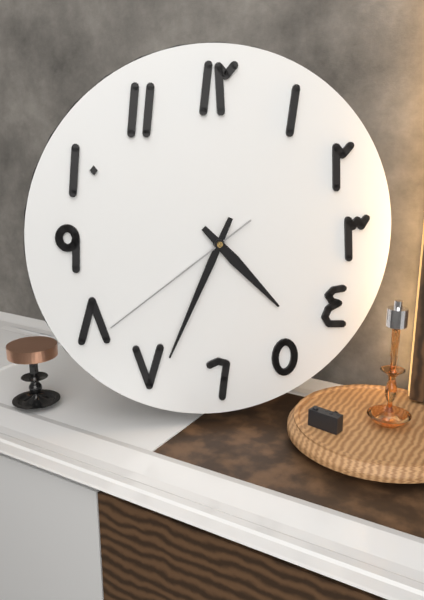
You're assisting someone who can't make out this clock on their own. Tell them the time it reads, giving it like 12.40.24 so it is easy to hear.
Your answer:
4.34.39
